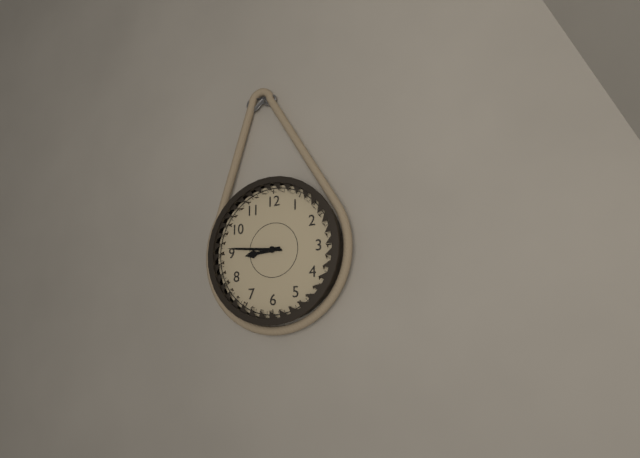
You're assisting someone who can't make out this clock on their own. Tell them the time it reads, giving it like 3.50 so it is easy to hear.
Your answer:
8.46
